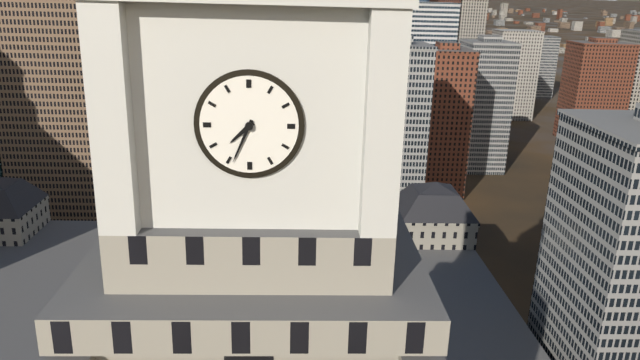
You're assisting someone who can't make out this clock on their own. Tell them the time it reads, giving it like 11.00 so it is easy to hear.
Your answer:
7.34
